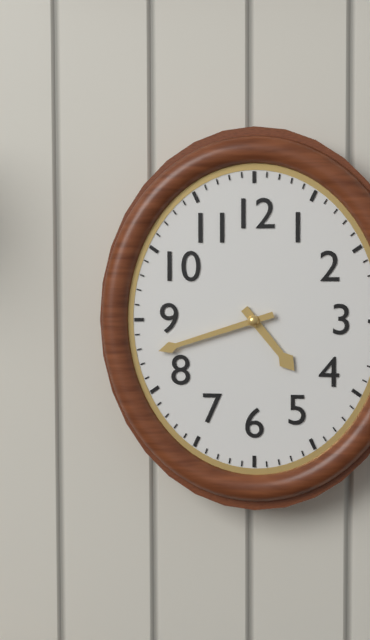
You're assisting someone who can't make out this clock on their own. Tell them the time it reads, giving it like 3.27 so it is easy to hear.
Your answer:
4.42
